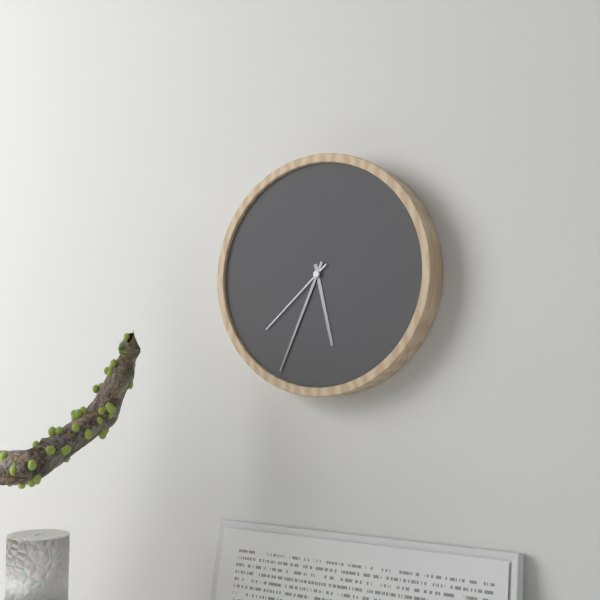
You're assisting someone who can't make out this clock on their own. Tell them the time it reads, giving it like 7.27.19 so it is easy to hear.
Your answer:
5.34.38
